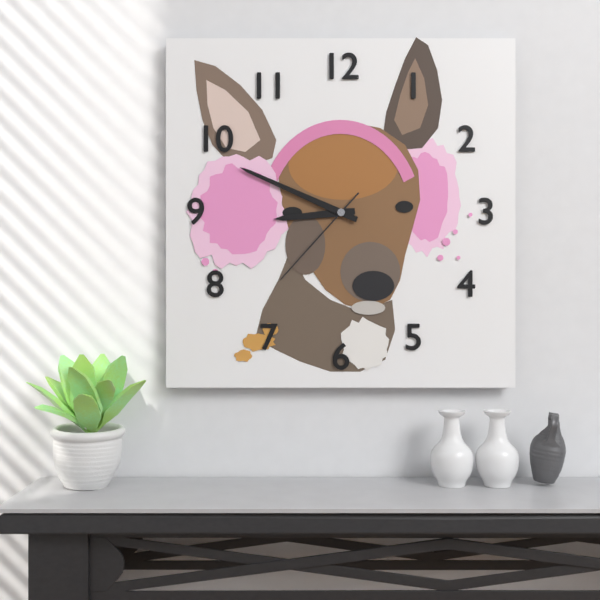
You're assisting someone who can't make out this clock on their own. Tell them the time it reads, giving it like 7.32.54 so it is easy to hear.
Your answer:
8.49.37
